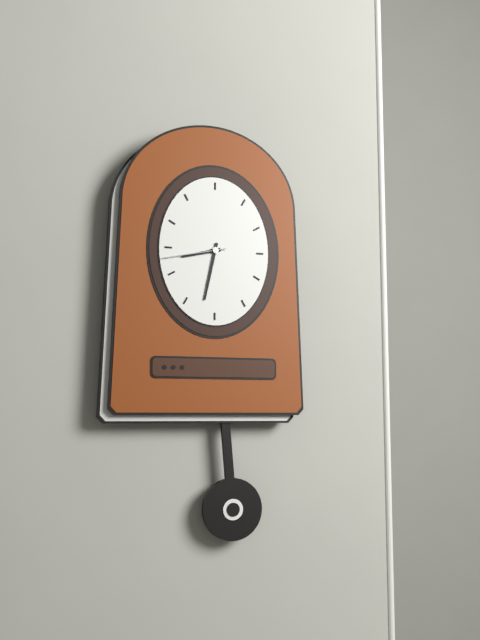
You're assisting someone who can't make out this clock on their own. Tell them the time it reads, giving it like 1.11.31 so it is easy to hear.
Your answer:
8.32.43
